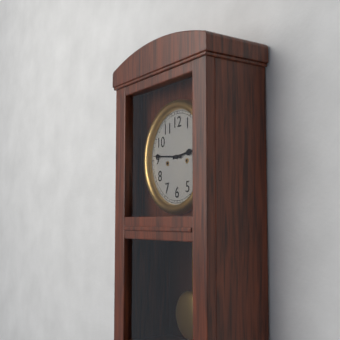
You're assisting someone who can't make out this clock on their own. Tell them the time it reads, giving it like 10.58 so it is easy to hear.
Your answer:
2.46
